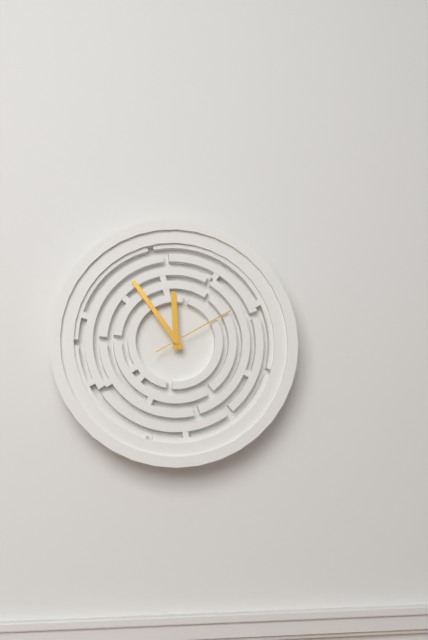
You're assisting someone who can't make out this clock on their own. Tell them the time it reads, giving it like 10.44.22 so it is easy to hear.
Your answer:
11.54.10
